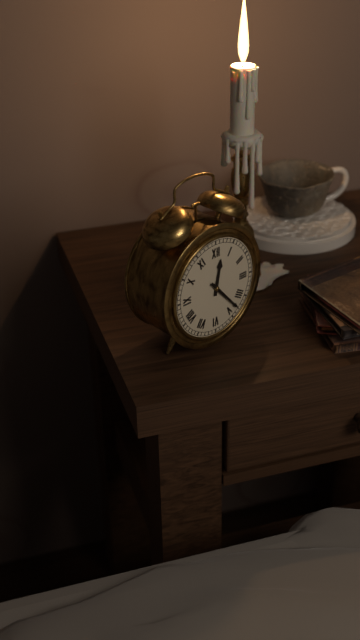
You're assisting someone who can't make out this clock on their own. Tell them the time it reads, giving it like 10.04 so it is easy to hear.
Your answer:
12.23
